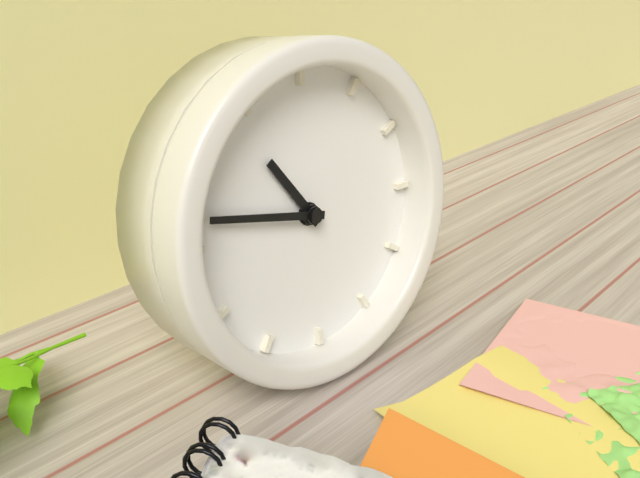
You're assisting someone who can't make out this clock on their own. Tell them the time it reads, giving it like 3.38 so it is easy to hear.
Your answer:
10.47
